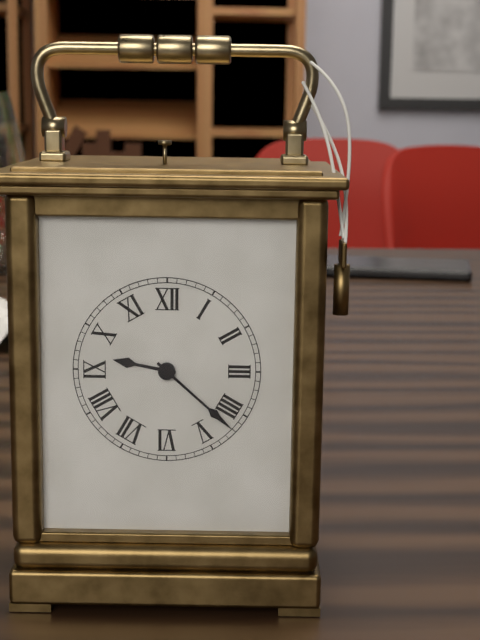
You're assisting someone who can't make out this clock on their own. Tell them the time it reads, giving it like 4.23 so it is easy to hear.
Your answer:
9.22
